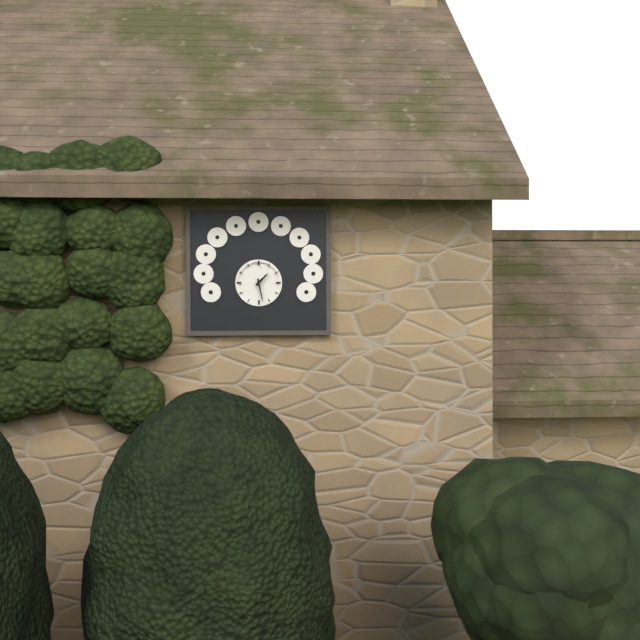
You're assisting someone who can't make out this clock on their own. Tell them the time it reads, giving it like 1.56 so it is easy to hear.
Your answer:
1.28
